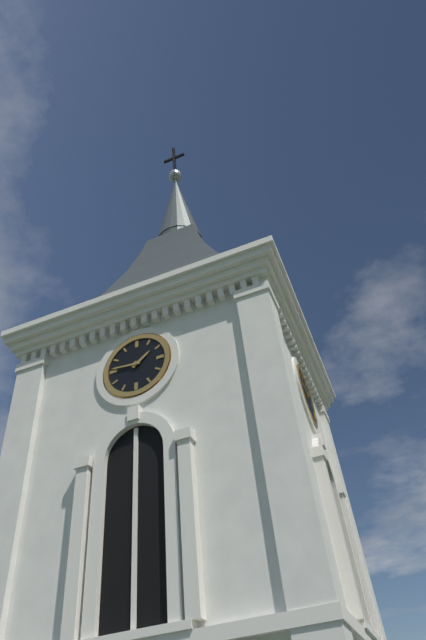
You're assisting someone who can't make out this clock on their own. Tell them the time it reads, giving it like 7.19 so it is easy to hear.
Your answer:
1.46
